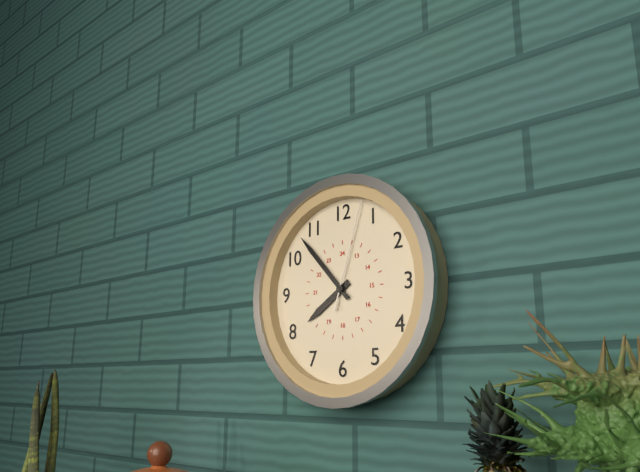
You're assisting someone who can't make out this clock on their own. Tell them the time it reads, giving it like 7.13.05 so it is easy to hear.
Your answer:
7.53.03
